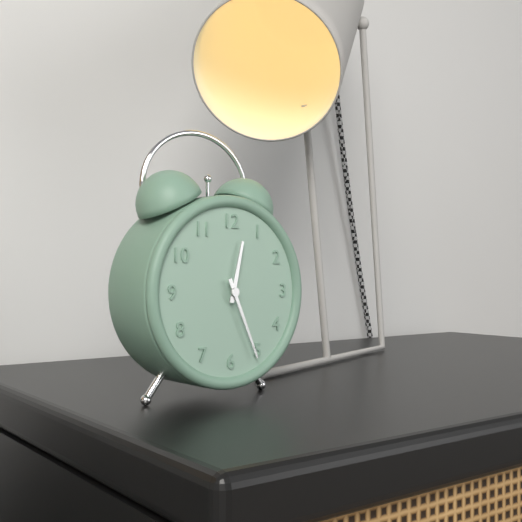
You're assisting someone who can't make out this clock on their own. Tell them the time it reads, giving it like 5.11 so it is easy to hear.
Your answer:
12.26
